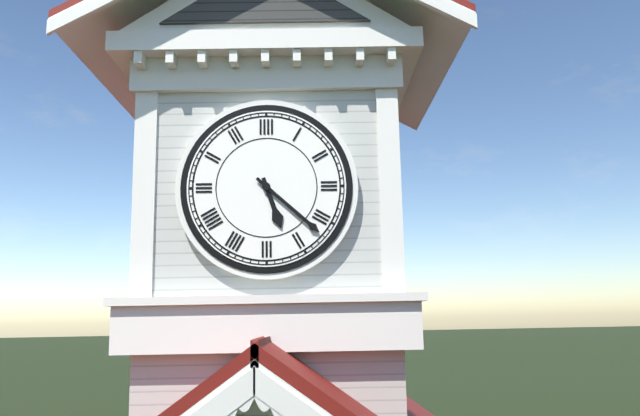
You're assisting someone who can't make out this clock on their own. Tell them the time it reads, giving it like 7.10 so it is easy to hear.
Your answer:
5.22
